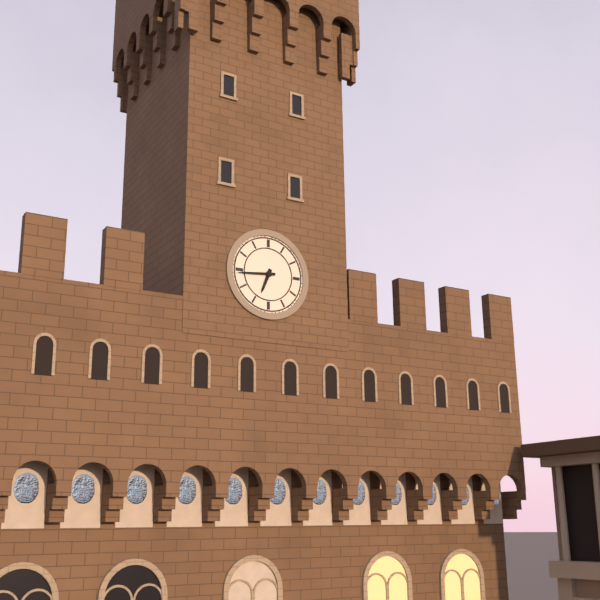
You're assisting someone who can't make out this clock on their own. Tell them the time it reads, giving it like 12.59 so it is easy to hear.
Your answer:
6.44
